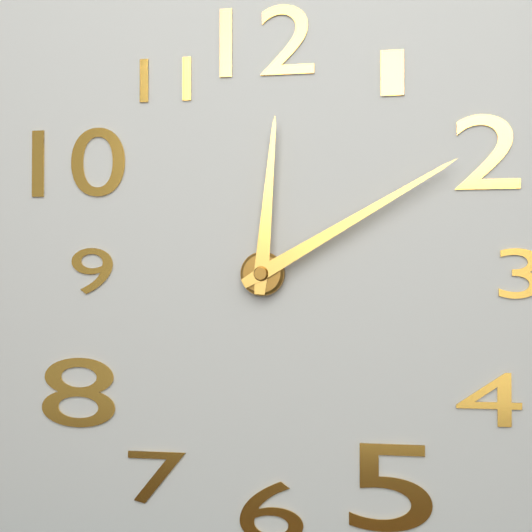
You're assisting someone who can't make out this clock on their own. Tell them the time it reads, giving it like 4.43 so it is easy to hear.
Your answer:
12.10
